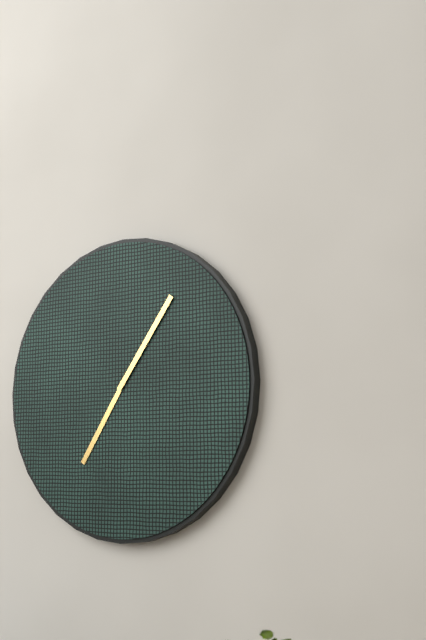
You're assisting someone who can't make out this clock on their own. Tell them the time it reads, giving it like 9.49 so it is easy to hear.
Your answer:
7.06
